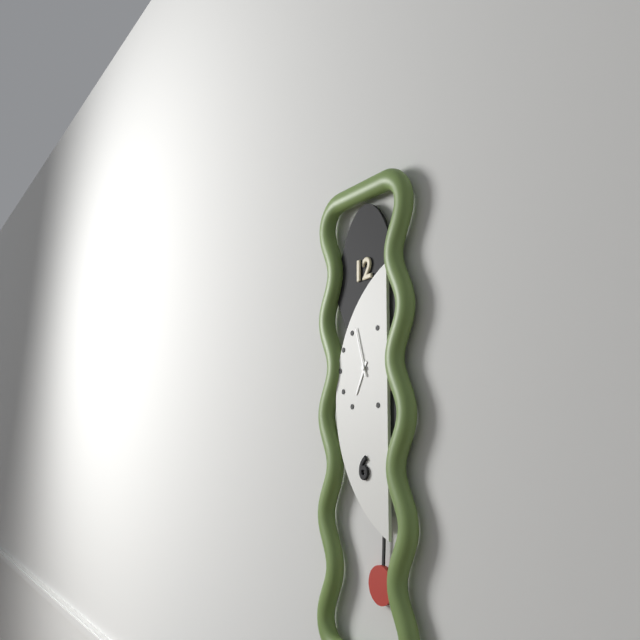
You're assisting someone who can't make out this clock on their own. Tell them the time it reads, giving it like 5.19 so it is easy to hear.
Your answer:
6.57
